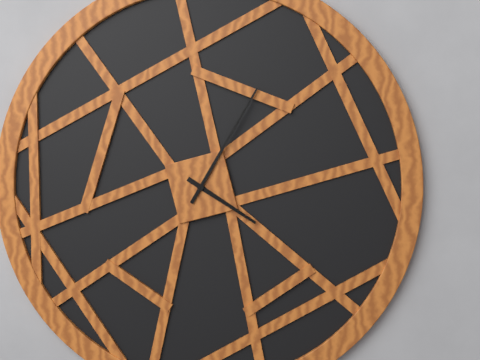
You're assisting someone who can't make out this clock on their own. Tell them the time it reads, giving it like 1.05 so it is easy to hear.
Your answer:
4.05
